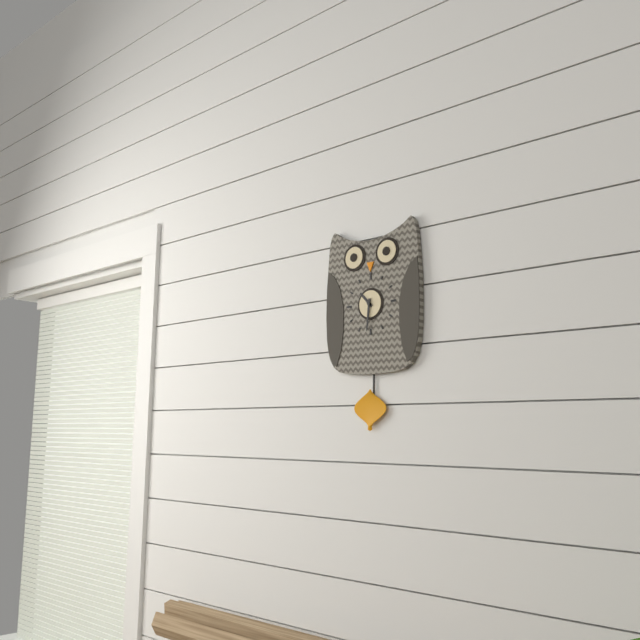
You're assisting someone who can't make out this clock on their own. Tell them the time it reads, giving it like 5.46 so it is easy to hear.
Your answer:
10.31
